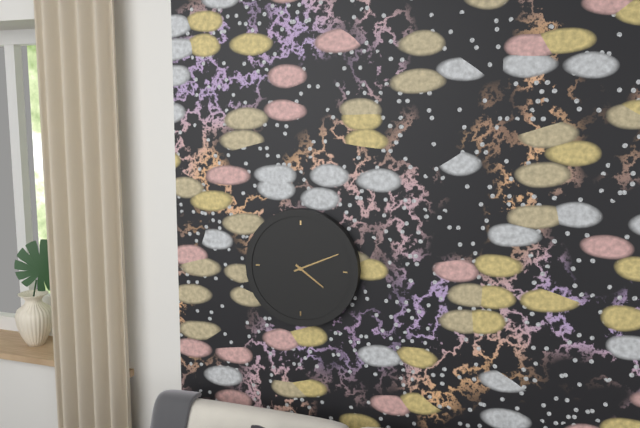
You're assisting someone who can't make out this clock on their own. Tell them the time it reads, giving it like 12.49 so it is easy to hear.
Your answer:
4.11
